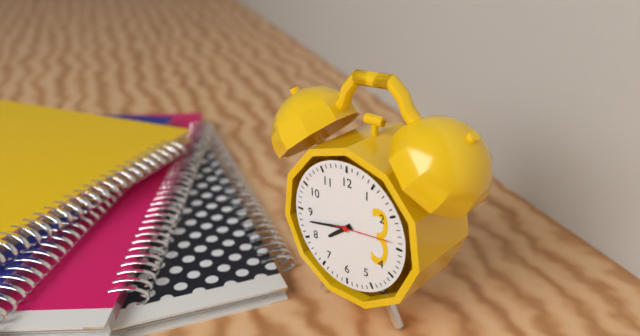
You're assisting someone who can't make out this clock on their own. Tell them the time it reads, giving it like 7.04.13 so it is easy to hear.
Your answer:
7.43.14
